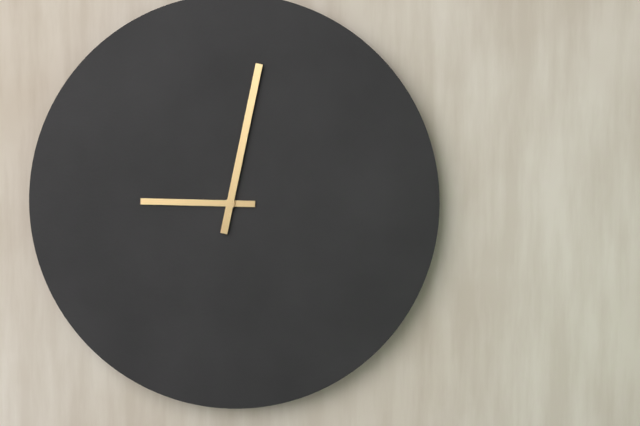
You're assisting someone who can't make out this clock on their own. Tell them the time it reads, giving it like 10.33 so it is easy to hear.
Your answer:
9.02
